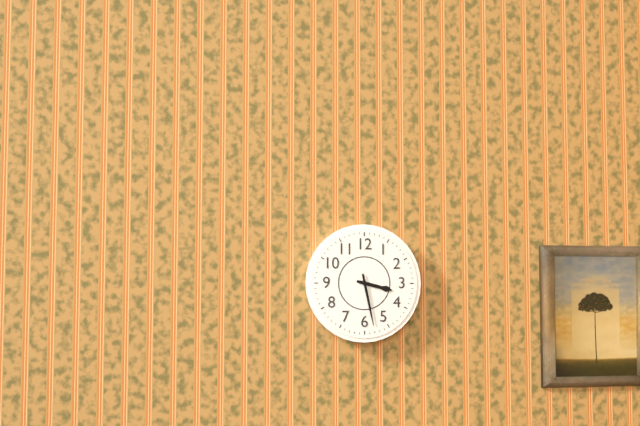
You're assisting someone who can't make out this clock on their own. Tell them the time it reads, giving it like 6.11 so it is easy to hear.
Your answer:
3.28
